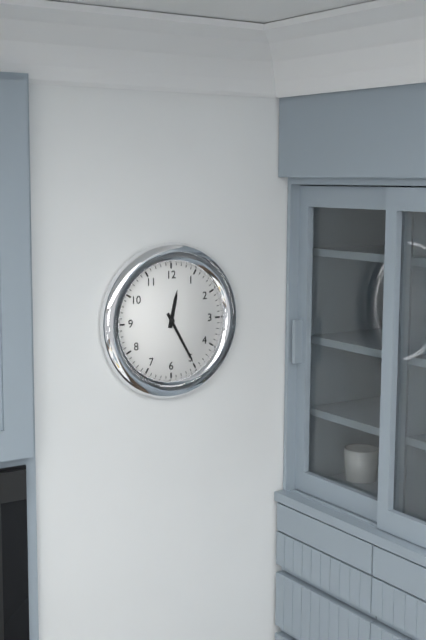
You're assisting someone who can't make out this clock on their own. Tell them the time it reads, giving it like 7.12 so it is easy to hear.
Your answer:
12.25
